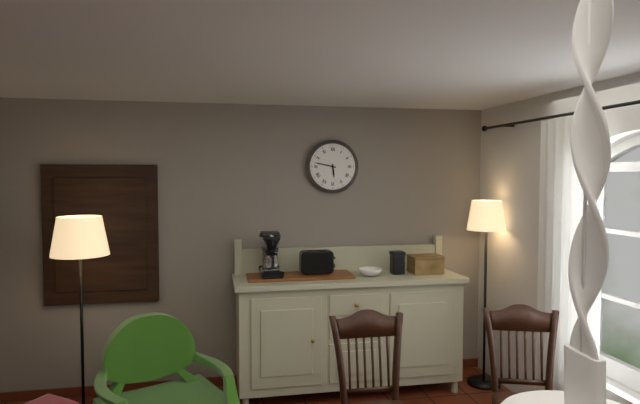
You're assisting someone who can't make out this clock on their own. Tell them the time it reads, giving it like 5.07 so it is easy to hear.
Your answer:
5.47
